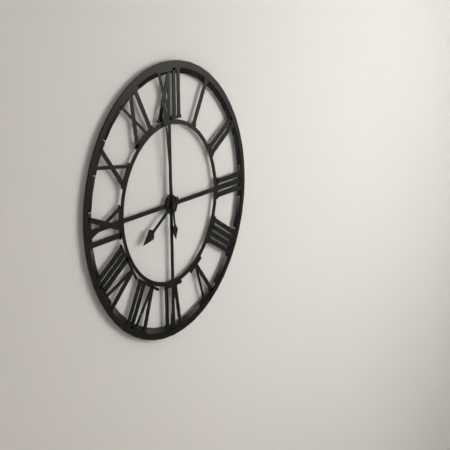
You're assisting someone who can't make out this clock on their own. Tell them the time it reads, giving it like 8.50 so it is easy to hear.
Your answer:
7.59
